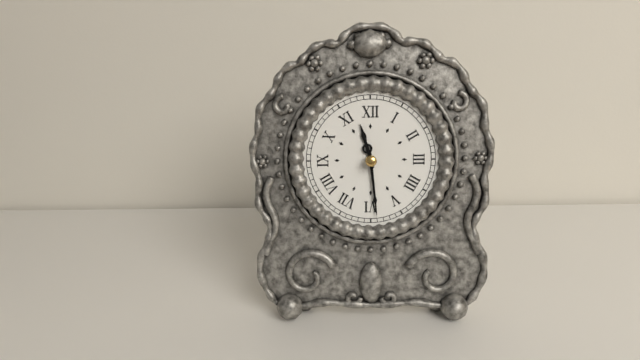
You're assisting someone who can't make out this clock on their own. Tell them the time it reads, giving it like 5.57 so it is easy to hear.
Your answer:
11.29
